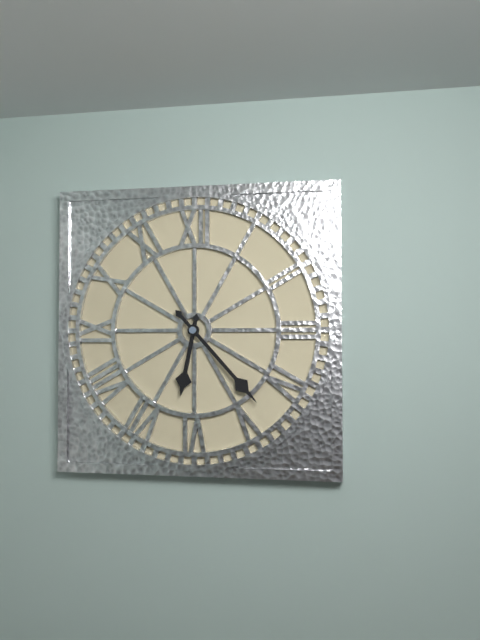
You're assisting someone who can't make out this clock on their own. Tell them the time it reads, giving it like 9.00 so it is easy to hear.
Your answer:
6.23
